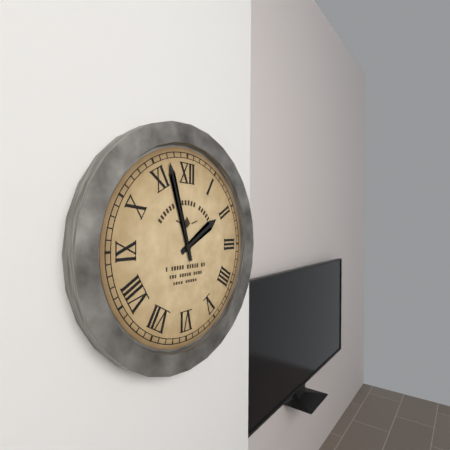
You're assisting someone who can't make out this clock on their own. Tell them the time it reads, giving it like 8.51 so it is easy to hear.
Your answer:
1.57
